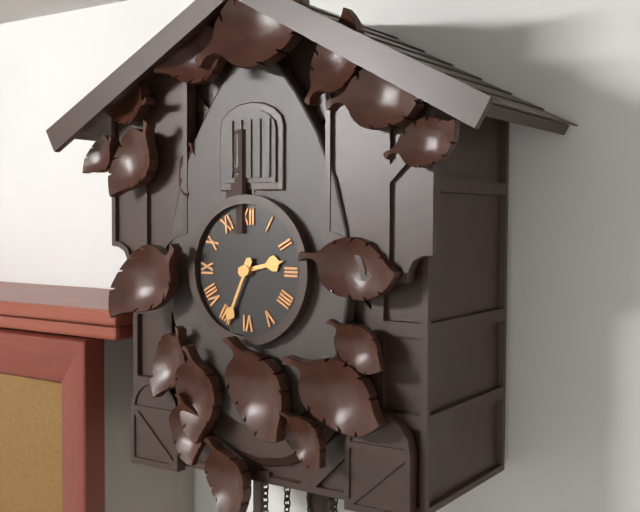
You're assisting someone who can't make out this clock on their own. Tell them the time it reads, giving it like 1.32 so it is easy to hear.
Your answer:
2.34
